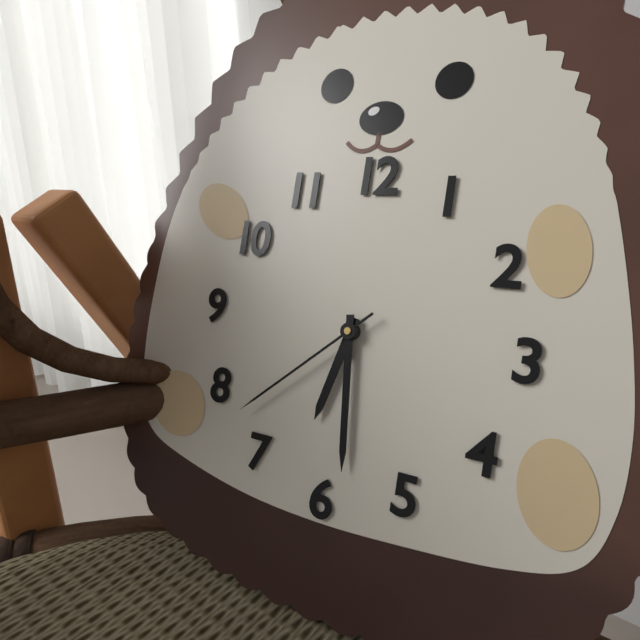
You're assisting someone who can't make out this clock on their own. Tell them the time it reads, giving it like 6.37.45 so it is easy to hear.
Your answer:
6.29.38
